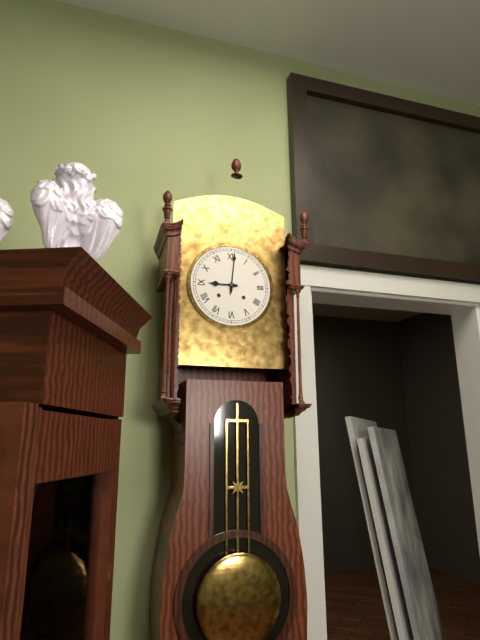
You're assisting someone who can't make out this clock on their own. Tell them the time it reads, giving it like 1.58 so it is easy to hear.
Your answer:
9.01
